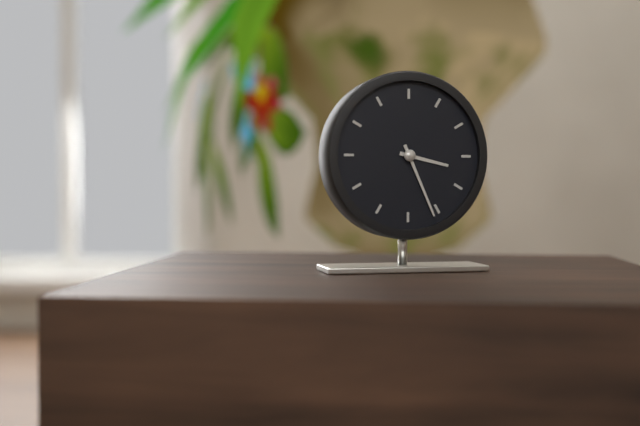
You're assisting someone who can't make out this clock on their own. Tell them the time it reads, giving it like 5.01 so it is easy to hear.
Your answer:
3.26
